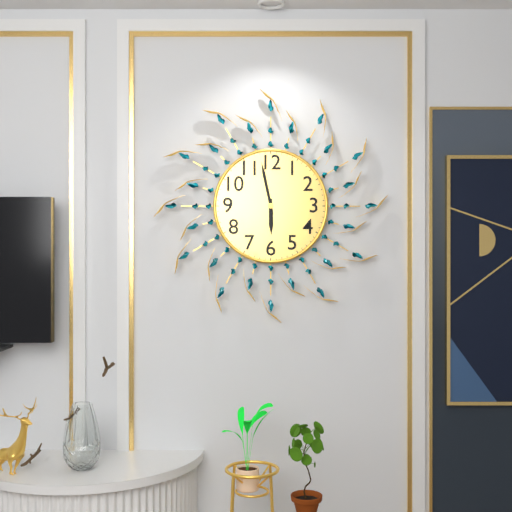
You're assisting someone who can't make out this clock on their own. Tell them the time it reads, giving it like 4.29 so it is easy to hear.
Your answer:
5.58
